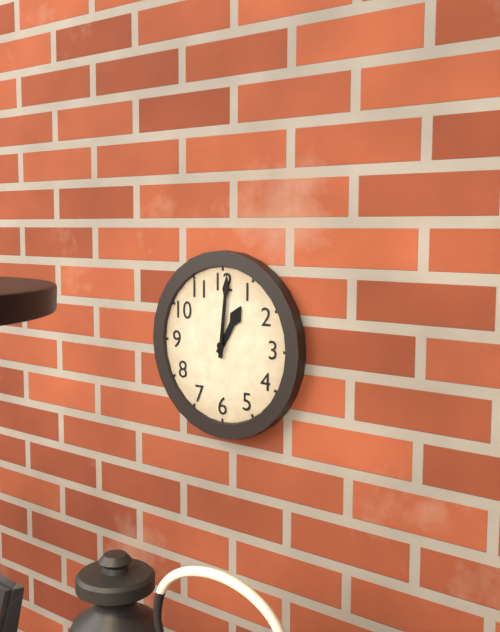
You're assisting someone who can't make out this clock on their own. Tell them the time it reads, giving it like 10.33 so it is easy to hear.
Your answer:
1.01
